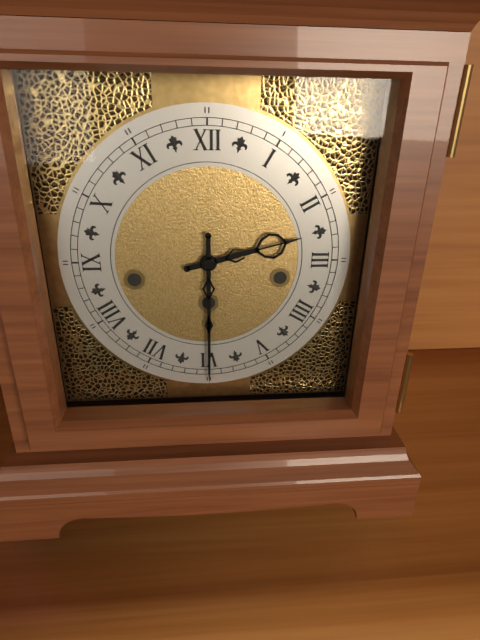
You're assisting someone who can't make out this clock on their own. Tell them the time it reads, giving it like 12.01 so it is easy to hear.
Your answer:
2.30
